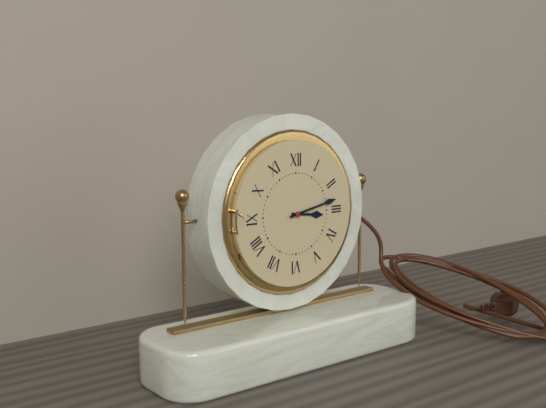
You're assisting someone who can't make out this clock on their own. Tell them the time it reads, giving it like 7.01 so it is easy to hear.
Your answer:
3.13
